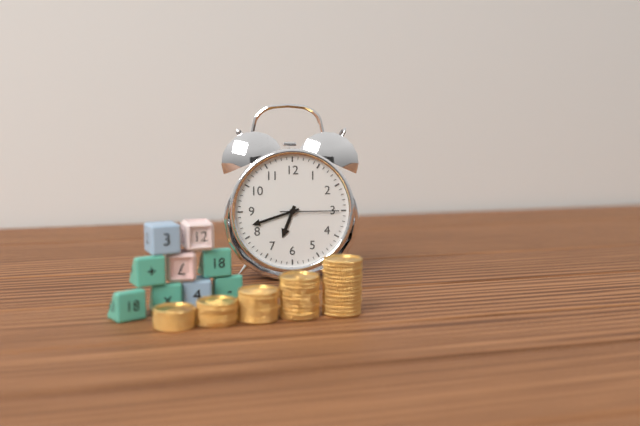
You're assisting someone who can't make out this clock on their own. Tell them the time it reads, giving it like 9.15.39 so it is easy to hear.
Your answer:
6.42.15
